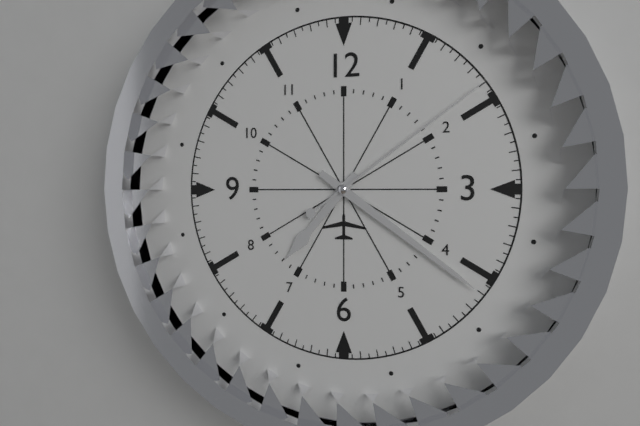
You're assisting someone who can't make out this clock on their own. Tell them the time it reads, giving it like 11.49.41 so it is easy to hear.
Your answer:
7.21.09
